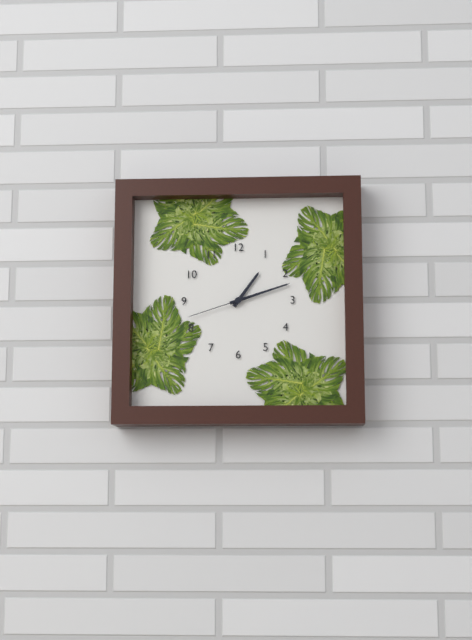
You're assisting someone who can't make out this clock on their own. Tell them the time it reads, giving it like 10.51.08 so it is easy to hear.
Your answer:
1.12.42
